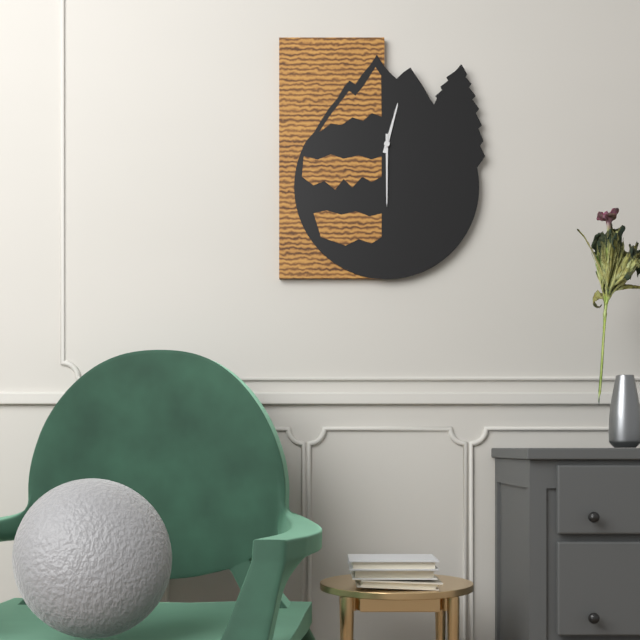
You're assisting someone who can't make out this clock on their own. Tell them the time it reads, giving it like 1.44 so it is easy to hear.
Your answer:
12.30
